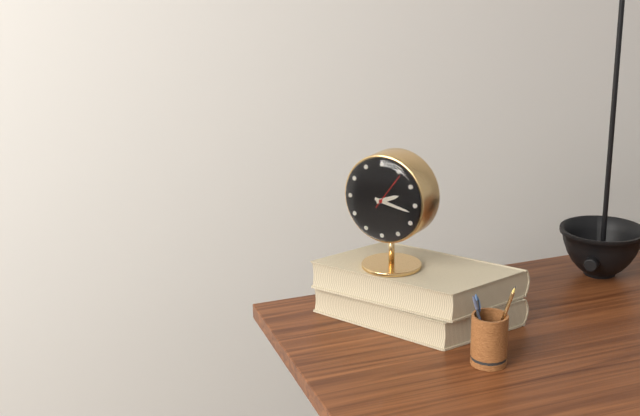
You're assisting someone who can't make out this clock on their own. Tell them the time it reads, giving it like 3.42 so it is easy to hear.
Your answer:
2.17
